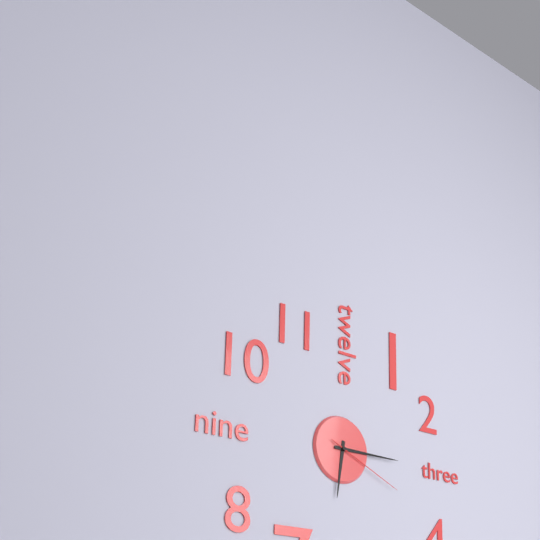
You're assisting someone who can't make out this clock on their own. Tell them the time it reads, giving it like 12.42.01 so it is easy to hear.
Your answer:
6.15.19
